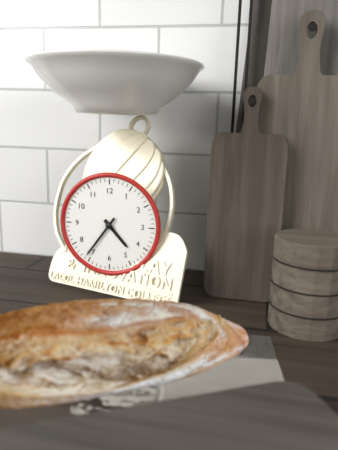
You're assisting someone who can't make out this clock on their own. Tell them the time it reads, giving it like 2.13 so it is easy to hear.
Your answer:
4.36
